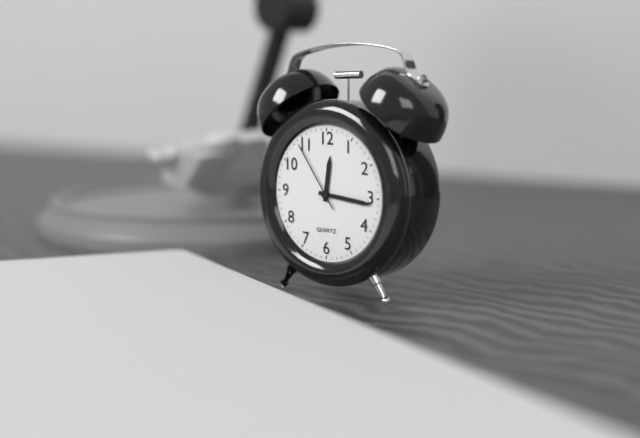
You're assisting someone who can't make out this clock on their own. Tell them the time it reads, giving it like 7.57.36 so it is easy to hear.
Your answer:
12.16.54
